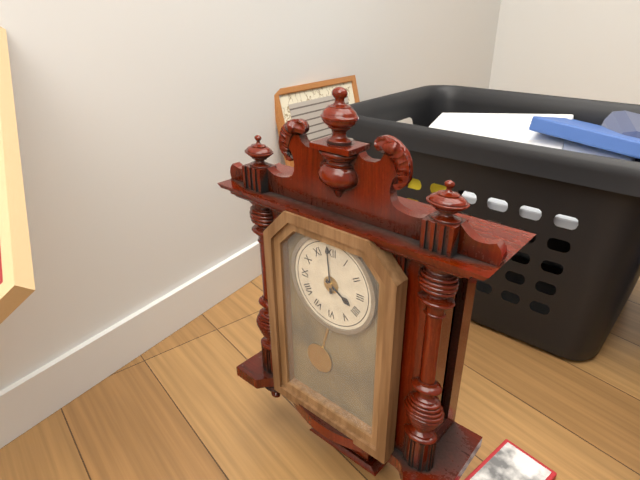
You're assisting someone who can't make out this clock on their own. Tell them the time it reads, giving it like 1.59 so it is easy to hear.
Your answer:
3.59
